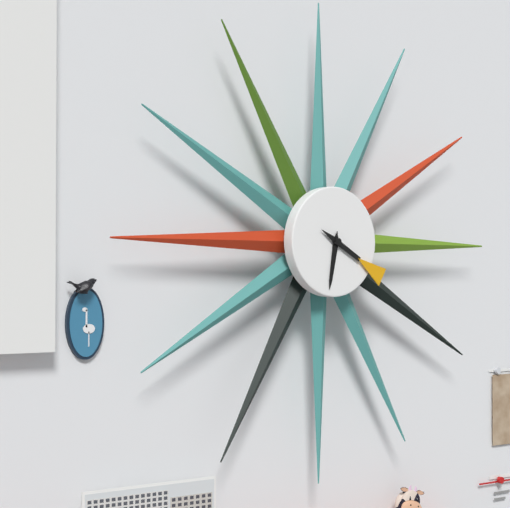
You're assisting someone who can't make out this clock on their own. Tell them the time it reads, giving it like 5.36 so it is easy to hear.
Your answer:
6.20
